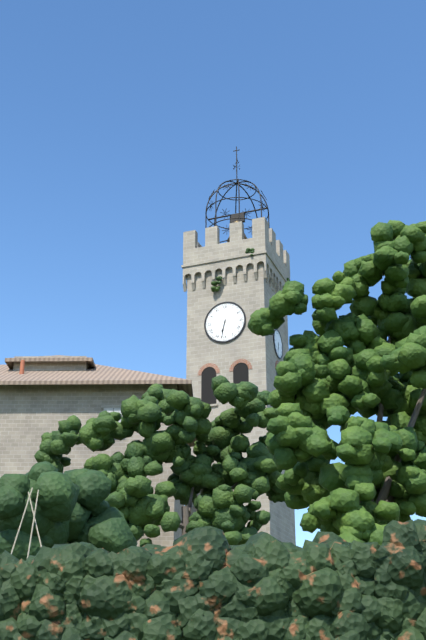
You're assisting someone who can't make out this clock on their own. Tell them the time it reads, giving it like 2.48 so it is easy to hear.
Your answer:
6.32
